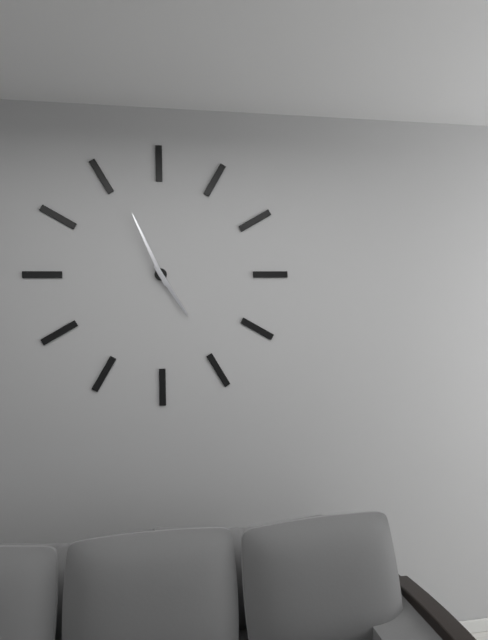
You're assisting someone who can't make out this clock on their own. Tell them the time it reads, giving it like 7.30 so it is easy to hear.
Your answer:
4.56
